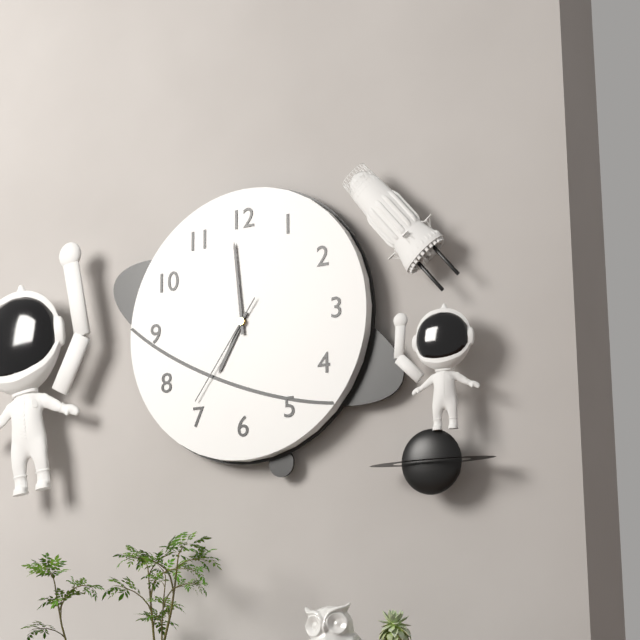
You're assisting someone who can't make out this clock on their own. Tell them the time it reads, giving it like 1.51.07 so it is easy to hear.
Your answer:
6.59.36
